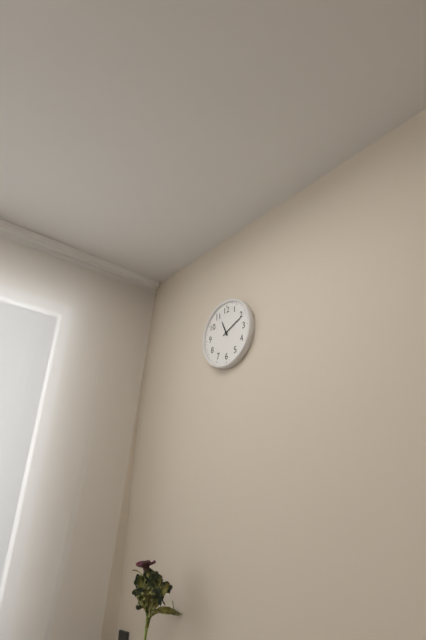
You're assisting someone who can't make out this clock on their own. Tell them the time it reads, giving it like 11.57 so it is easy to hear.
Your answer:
11.11
